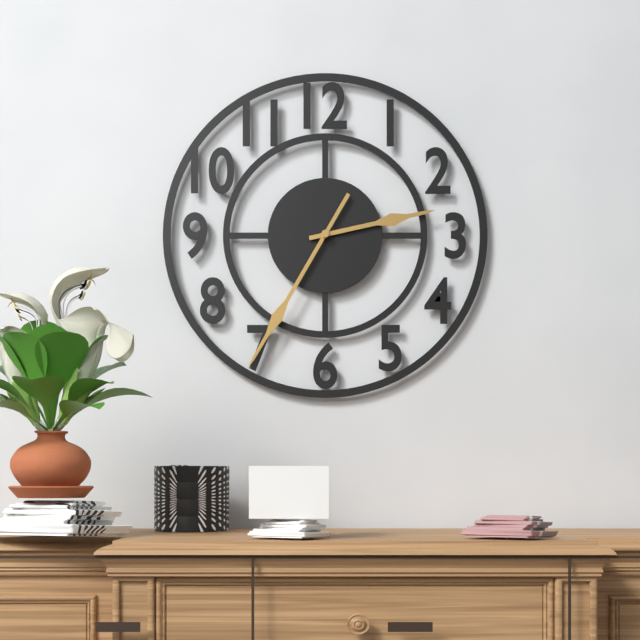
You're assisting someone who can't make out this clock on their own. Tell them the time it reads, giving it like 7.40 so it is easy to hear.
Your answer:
2.35
